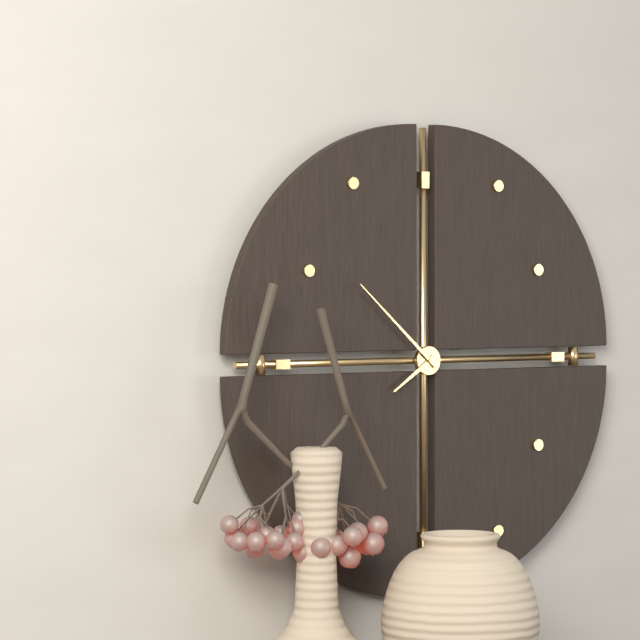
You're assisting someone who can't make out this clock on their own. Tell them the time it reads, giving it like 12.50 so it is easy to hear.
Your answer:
7.52
